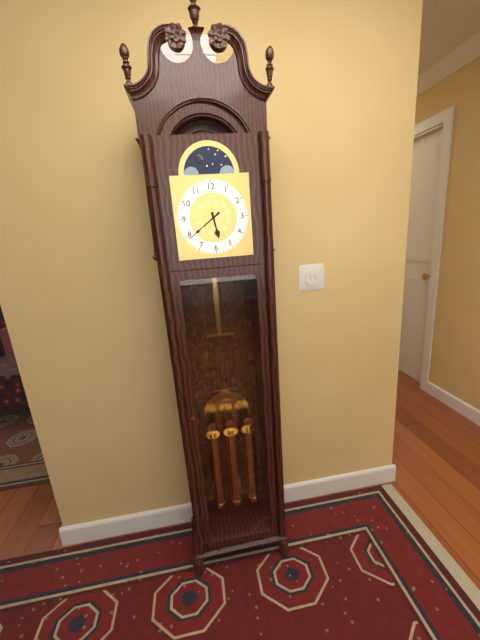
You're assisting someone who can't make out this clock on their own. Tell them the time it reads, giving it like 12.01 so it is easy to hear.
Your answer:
5.39
